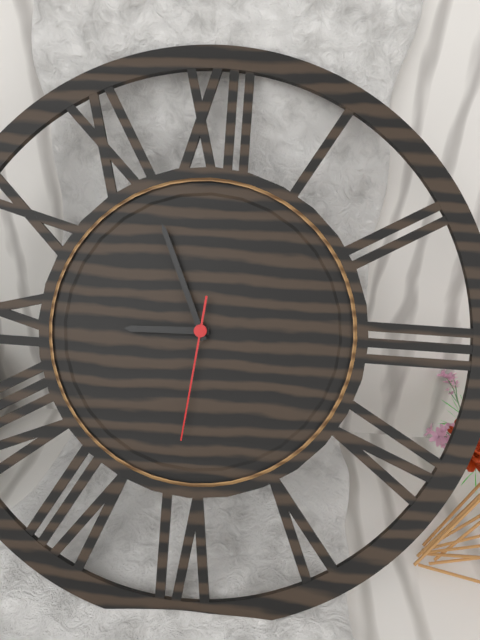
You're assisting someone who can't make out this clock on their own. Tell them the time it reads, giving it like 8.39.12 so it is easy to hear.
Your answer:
8.56.31
